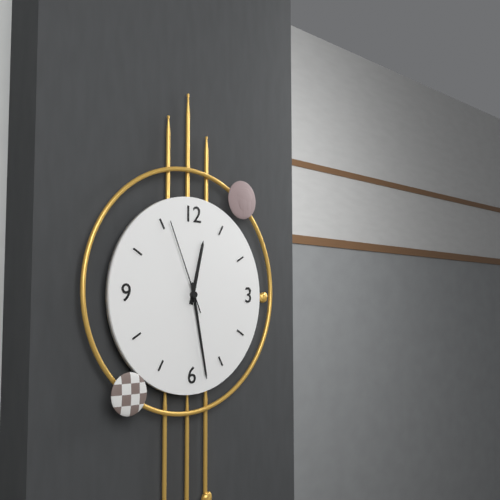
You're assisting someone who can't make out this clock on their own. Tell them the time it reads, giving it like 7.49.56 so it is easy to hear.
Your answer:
12.28.56
